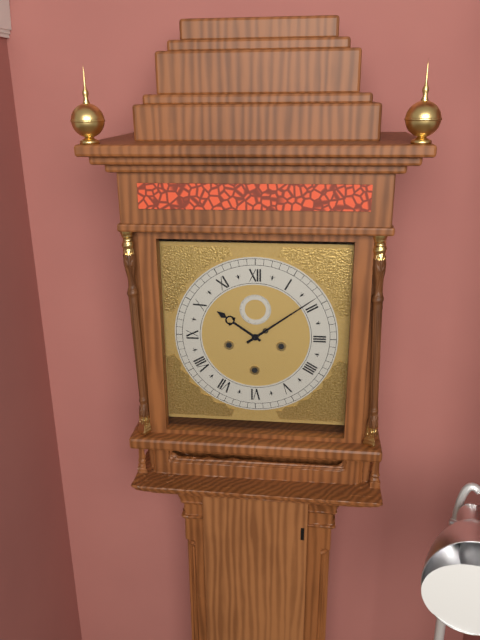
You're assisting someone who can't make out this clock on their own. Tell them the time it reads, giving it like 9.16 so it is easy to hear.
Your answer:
10.09
